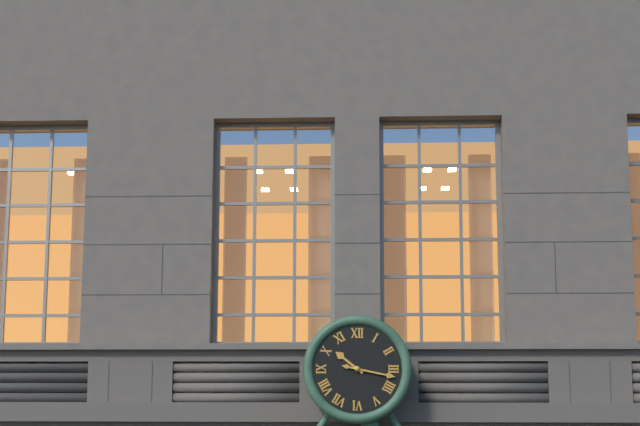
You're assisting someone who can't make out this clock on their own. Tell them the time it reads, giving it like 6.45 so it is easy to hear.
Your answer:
10.17
